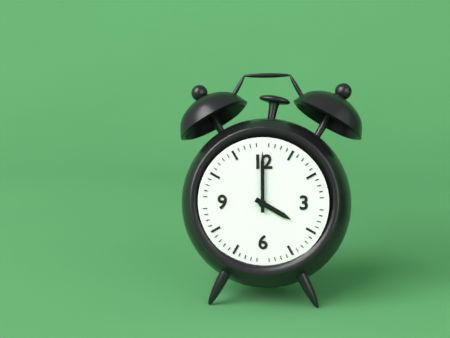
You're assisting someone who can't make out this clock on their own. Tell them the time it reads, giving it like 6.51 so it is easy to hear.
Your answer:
4.00
